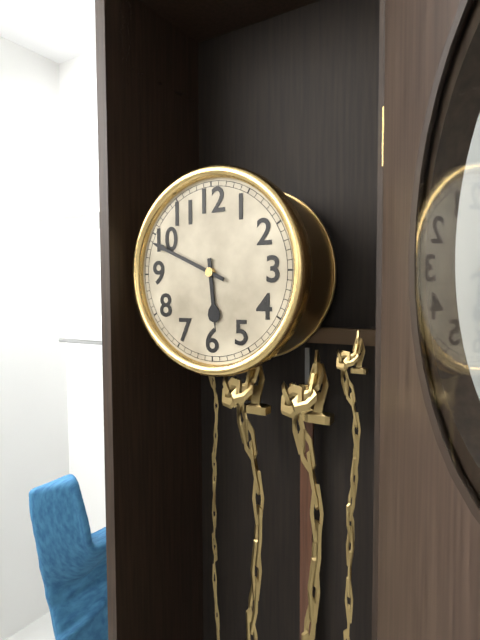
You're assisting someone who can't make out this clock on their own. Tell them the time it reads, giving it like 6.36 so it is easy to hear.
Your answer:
5.49
